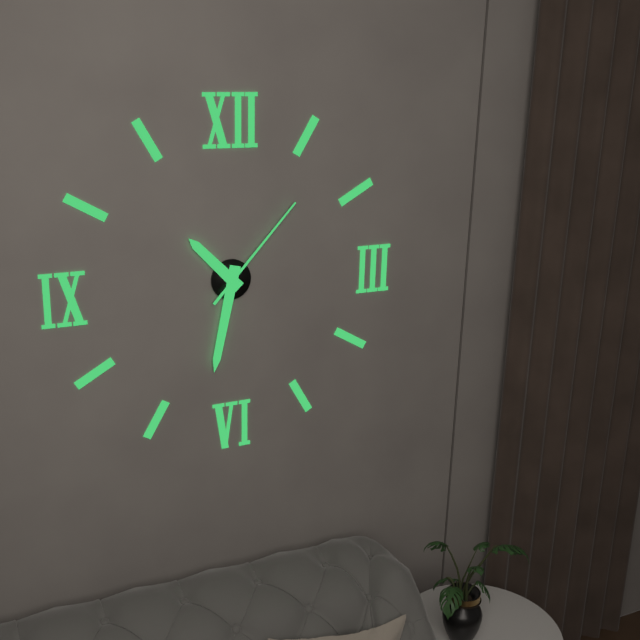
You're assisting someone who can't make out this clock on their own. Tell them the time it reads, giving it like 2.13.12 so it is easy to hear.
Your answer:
10.32.07
